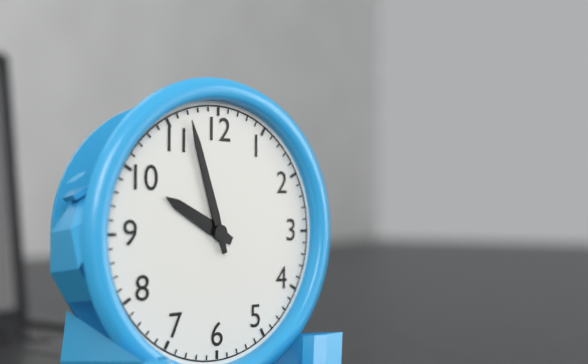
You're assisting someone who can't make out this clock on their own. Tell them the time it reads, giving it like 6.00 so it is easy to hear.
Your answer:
9.57
